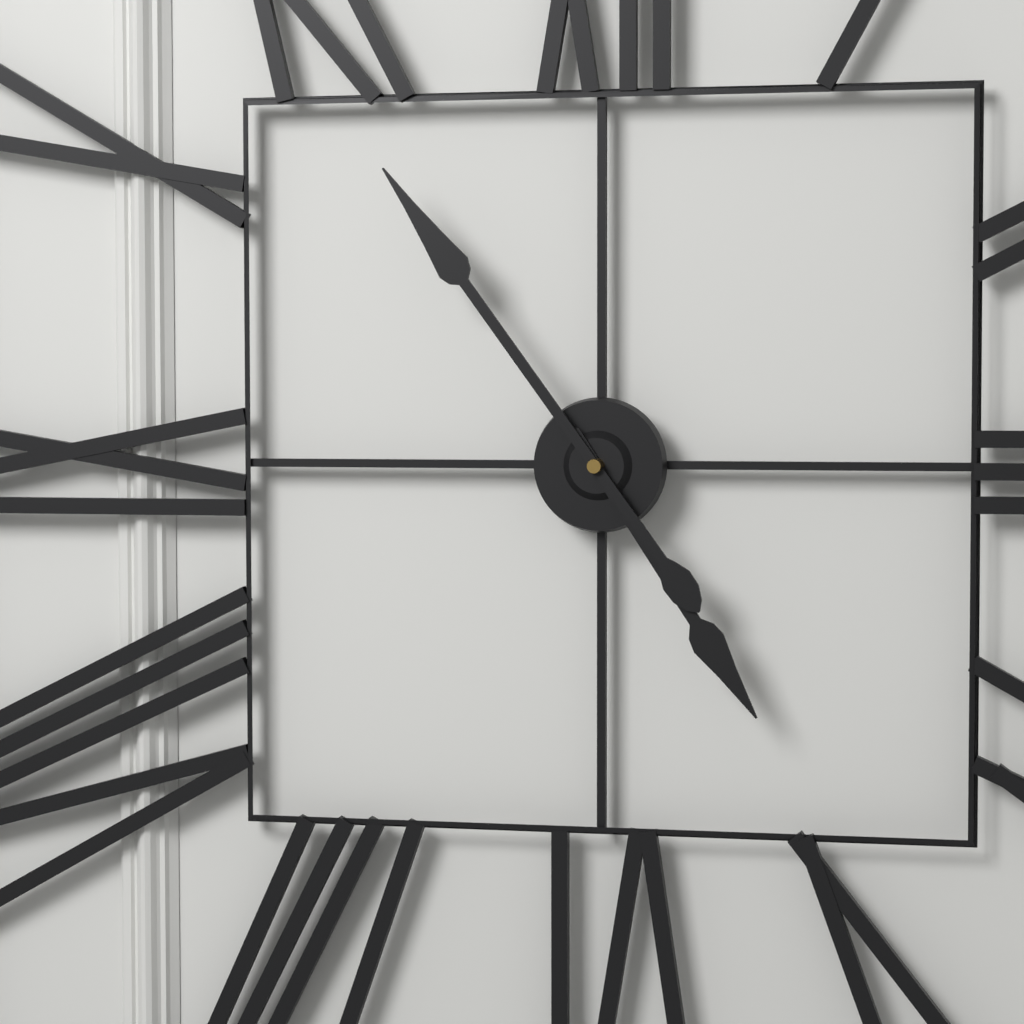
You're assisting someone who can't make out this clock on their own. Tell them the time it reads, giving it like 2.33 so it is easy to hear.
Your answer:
4.54
